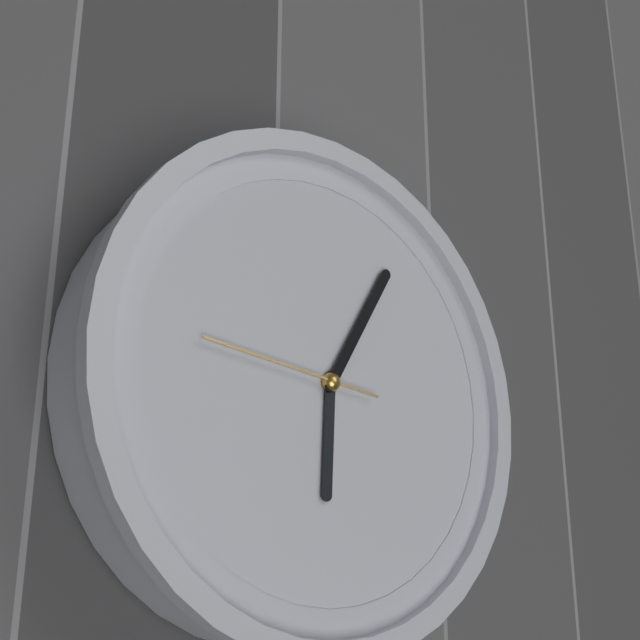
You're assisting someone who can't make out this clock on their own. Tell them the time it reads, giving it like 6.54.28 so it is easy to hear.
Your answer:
6.05.46
